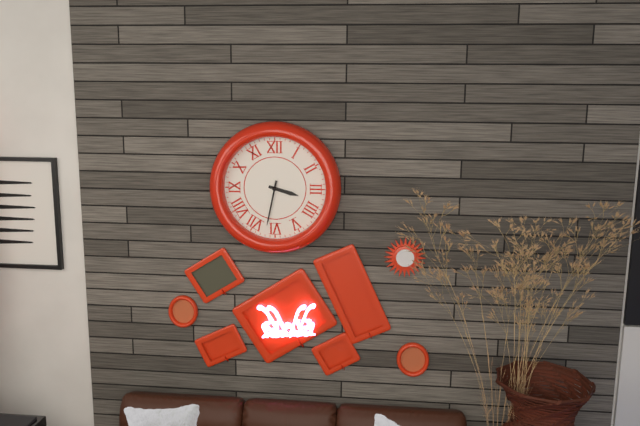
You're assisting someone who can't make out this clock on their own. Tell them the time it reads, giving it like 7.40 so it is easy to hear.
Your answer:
3.32
